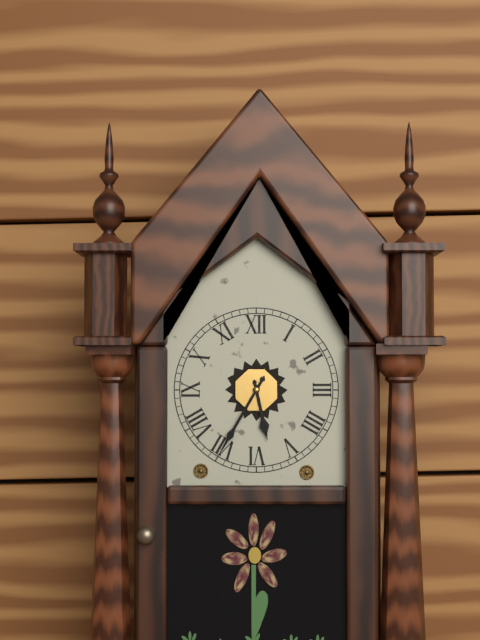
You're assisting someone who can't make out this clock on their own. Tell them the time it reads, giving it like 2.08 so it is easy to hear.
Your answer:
5.35
